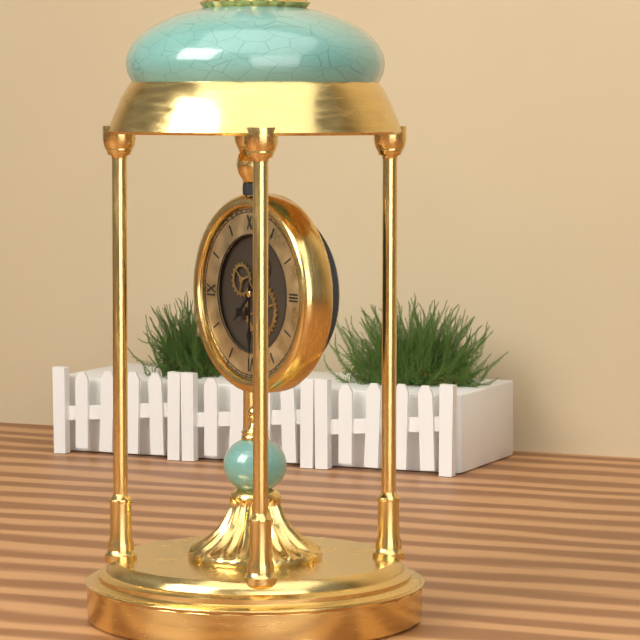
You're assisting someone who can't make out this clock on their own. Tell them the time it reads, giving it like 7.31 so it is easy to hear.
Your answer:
7.30
